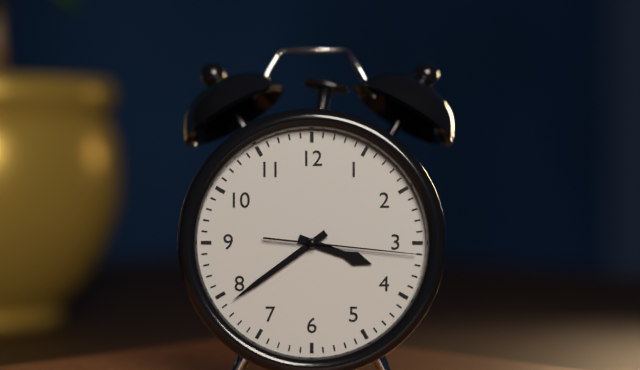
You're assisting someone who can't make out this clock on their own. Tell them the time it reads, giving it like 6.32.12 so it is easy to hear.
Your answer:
3.39.16
